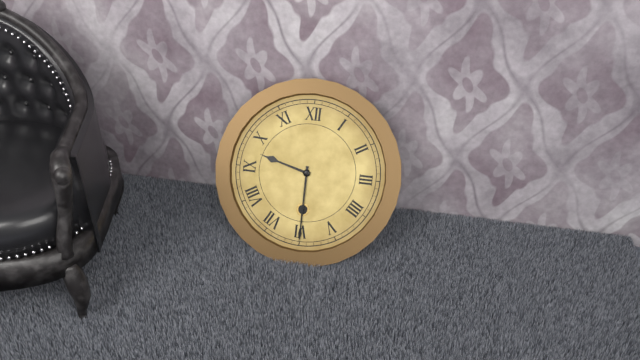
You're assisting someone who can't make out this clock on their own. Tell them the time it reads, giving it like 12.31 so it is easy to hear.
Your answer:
9.30
